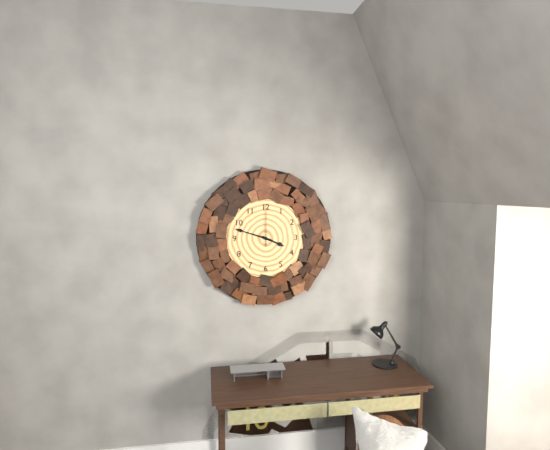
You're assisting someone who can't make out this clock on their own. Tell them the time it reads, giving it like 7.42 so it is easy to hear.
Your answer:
3.48
